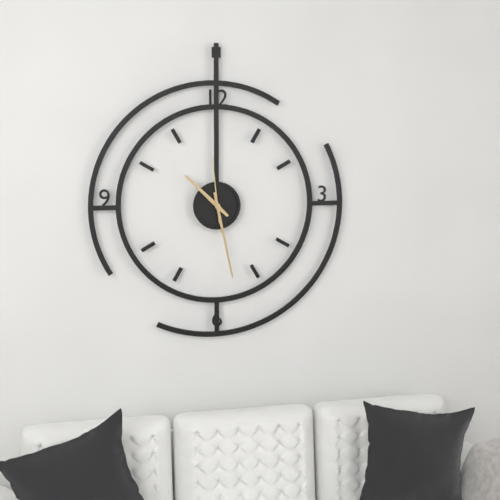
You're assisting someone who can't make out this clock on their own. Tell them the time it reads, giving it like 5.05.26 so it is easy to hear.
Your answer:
10.28.59
